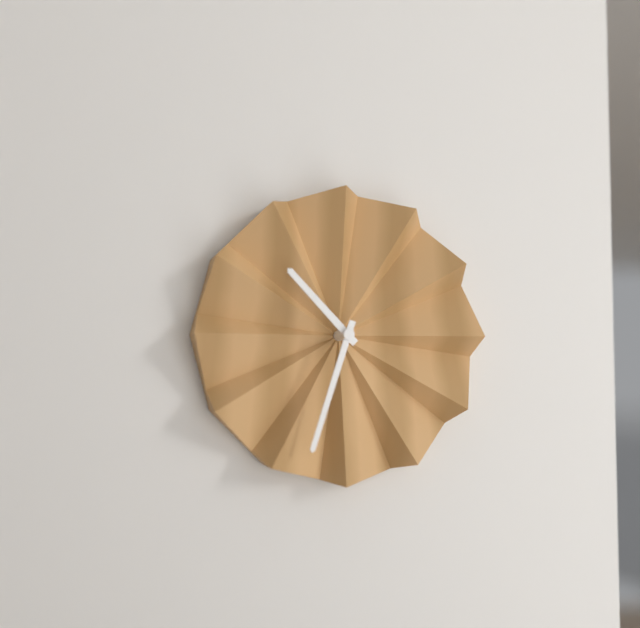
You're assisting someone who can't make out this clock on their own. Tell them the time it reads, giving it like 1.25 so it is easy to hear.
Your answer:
10.33
